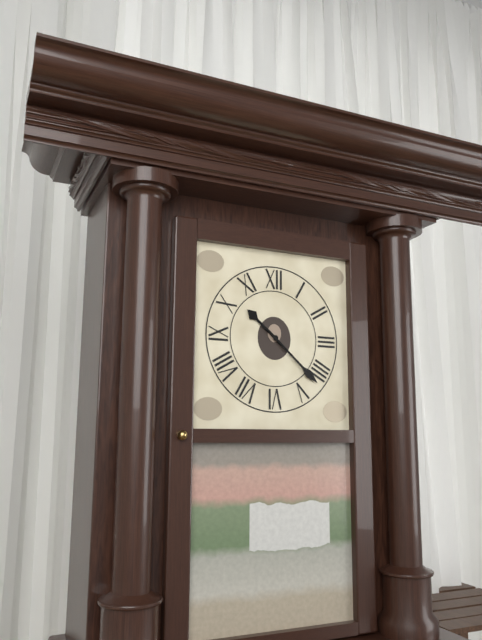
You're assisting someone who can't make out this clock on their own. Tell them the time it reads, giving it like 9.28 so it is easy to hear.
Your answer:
10.22
